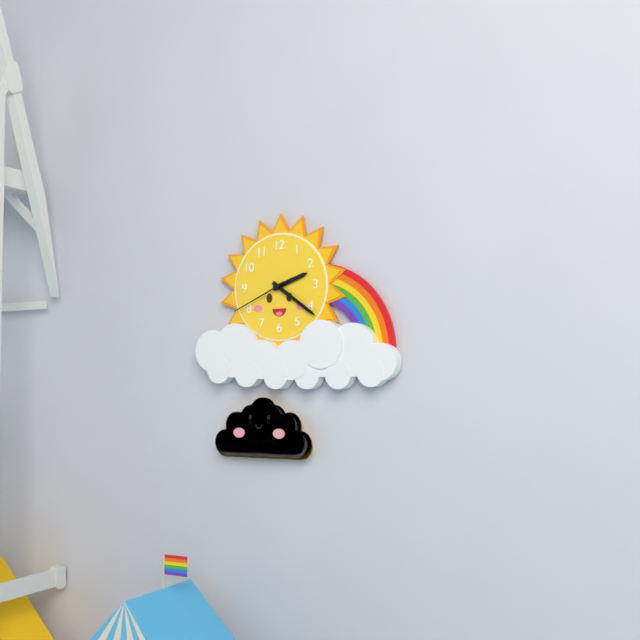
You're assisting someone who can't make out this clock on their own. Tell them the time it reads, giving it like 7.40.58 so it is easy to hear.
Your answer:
2.21.41
